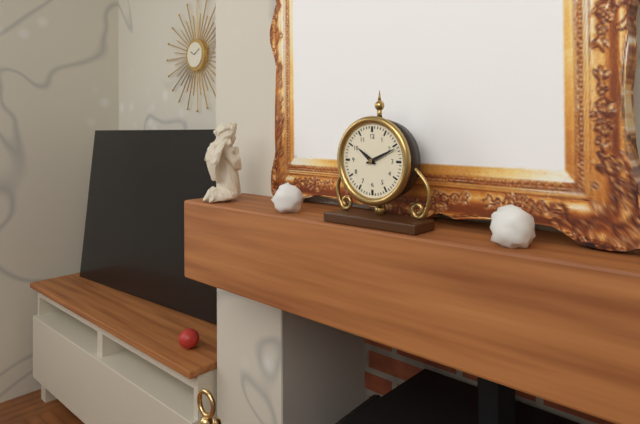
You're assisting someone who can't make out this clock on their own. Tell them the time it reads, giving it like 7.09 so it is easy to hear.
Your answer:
10.11
